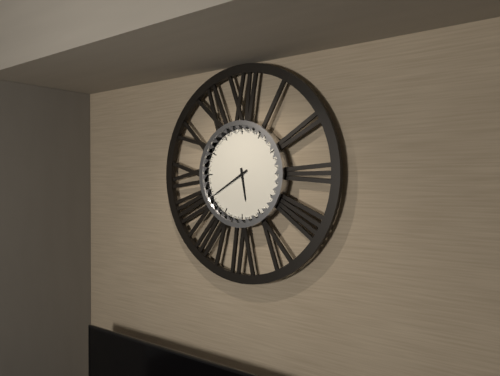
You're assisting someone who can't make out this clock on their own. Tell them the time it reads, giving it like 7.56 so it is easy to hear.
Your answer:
5.40
